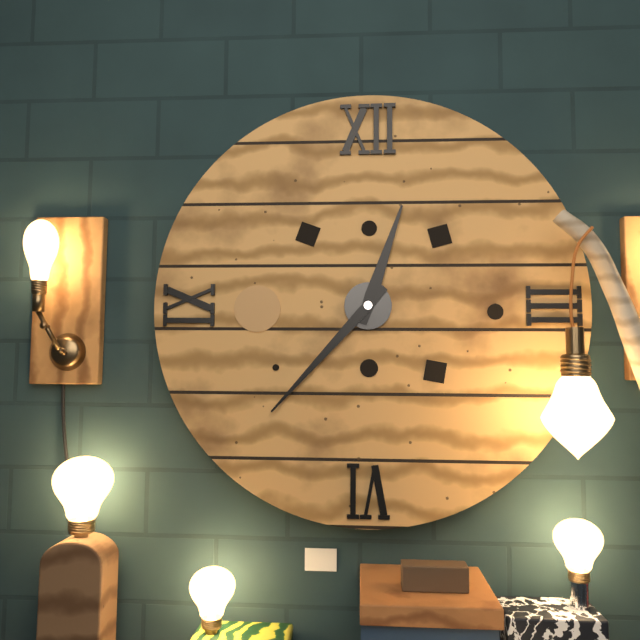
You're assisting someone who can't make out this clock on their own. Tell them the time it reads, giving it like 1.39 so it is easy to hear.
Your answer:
12.37
